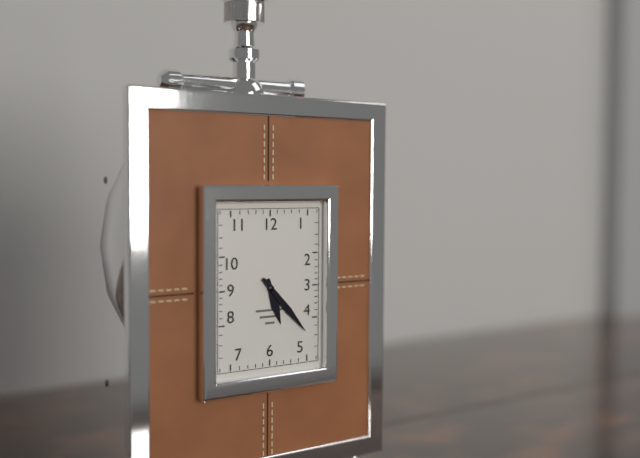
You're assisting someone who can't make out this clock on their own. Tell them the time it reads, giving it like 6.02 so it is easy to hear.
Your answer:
5.23
